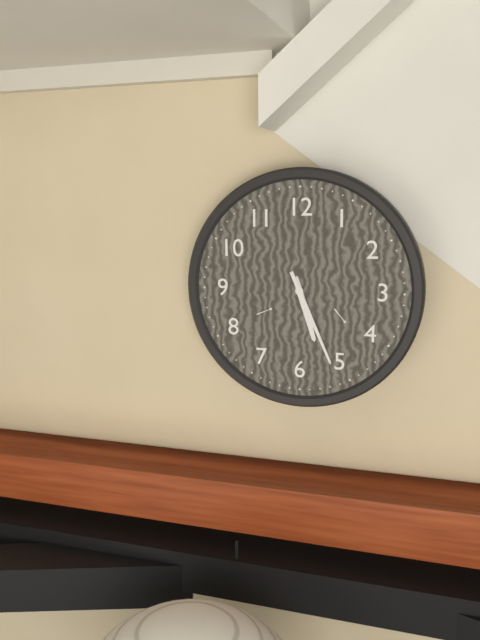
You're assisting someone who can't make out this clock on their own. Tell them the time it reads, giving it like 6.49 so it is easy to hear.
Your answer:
5.26
